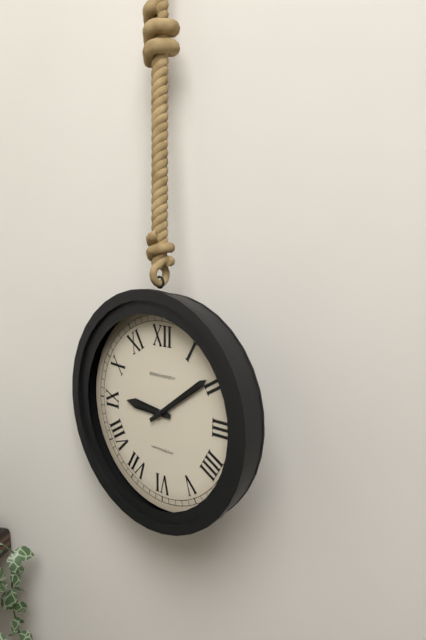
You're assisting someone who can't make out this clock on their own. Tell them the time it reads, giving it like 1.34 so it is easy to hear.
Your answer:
9.09
